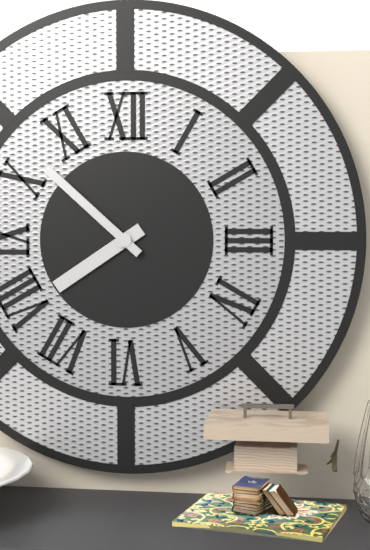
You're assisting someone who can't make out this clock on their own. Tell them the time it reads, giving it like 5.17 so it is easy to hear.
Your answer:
7.52
